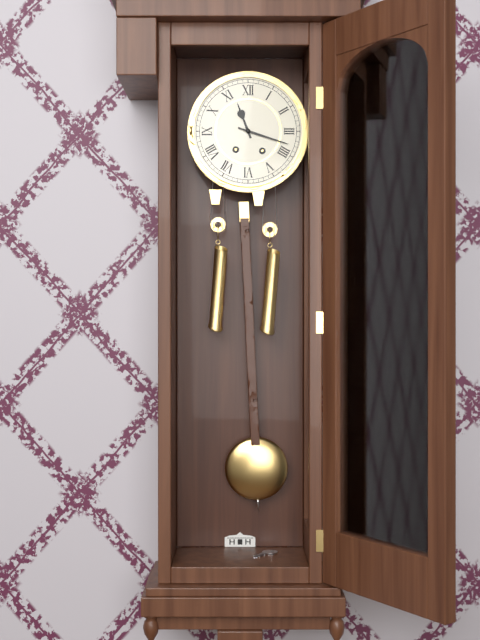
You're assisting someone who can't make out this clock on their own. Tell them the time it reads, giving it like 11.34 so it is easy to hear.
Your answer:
11.18
